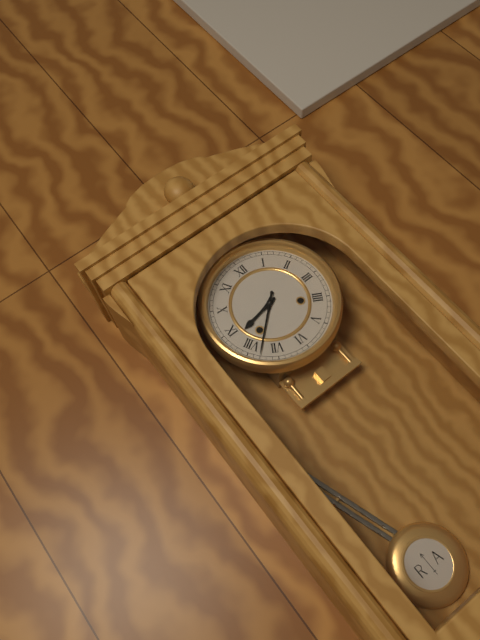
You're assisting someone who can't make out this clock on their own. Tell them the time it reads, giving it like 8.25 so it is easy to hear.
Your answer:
8.38
